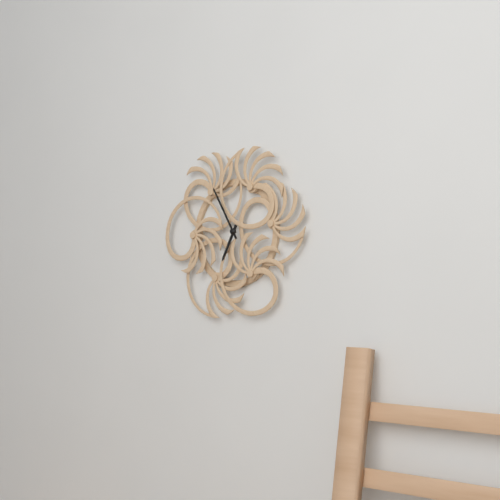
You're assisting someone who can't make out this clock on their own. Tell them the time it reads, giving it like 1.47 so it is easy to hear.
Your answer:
6.55
